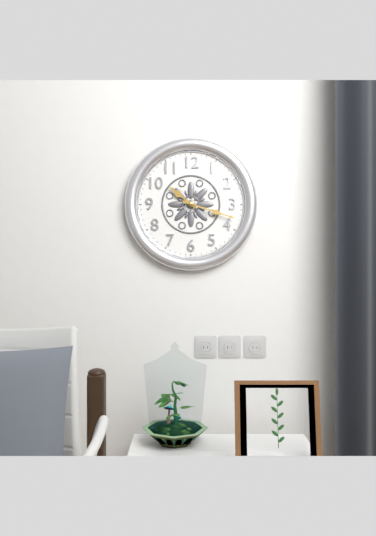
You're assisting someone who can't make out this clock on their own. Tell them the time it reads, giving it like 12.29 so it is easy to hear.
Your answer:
10.18
